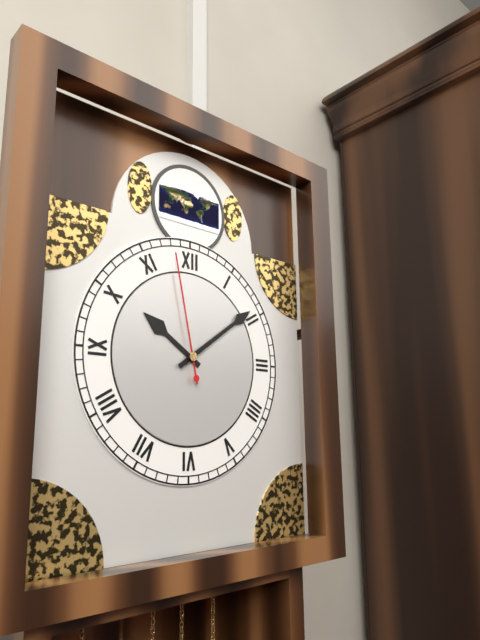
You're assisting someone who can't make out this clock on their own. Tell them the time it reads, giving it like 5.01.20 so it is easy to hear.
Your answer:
10.09.58
